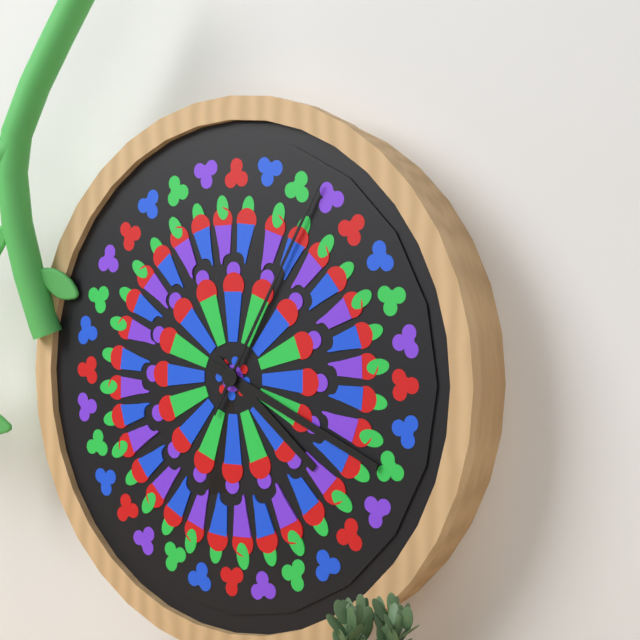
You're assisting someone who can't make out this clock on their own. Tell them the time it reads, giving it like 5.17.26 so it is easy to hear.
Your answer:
4.19.05
